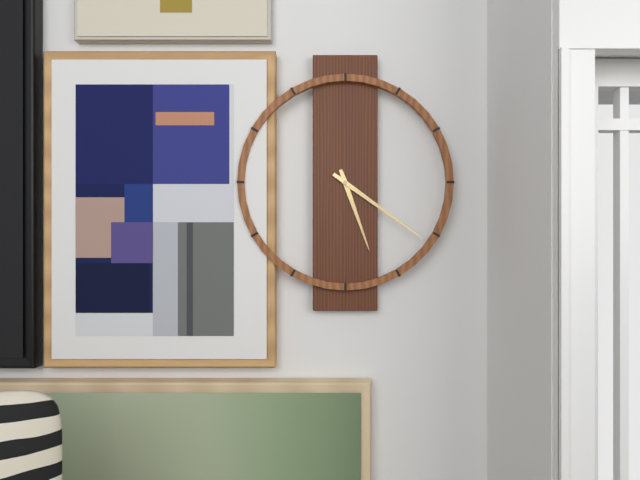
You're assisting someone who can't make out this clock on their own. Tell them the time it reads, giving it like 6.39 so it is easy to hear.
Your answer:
5.21
